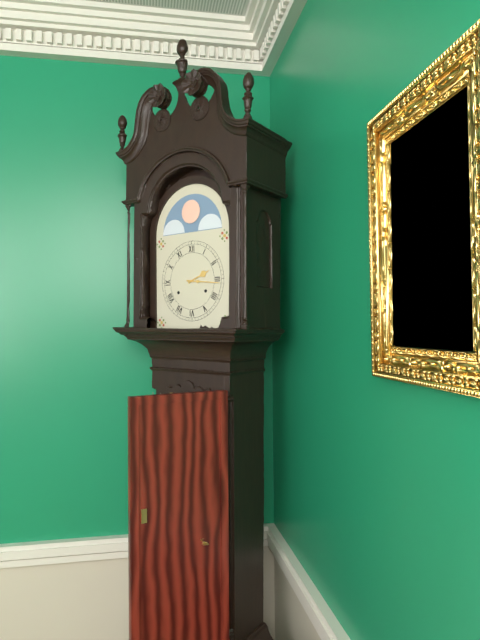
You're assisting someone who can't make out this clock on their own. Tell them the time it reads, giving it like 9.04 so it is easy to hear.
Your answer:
2.16
